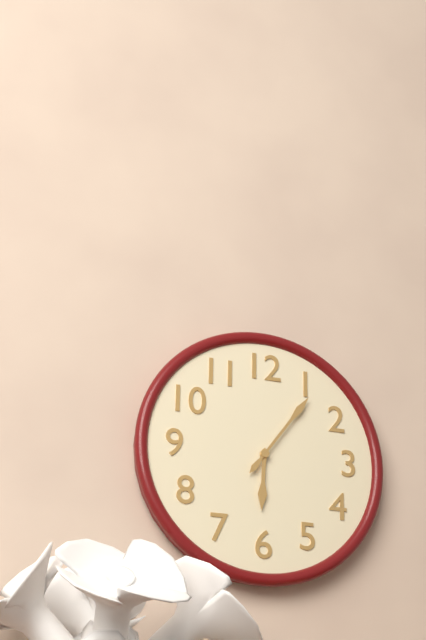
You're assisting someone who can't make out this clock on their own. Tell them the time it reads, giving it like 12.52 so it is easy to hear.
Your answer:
6.06
